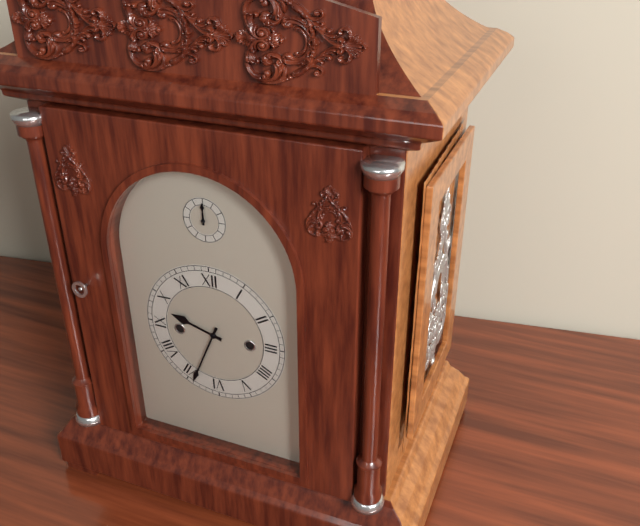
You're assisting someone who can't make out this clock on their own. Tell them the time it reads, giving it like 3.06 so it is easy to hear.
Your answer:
9.34
